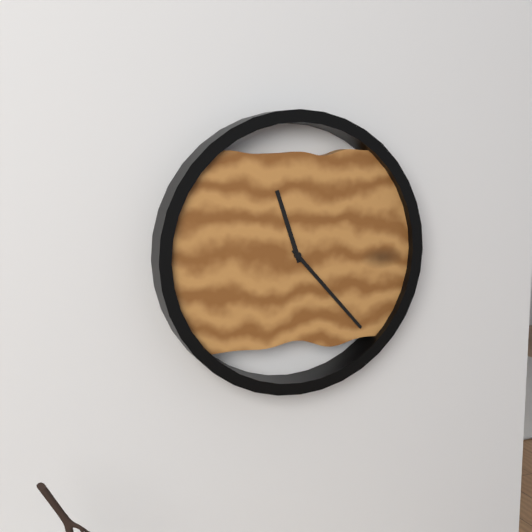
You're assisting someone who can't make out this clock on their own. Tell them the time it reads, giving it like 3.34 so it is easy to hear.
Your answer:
11.23
